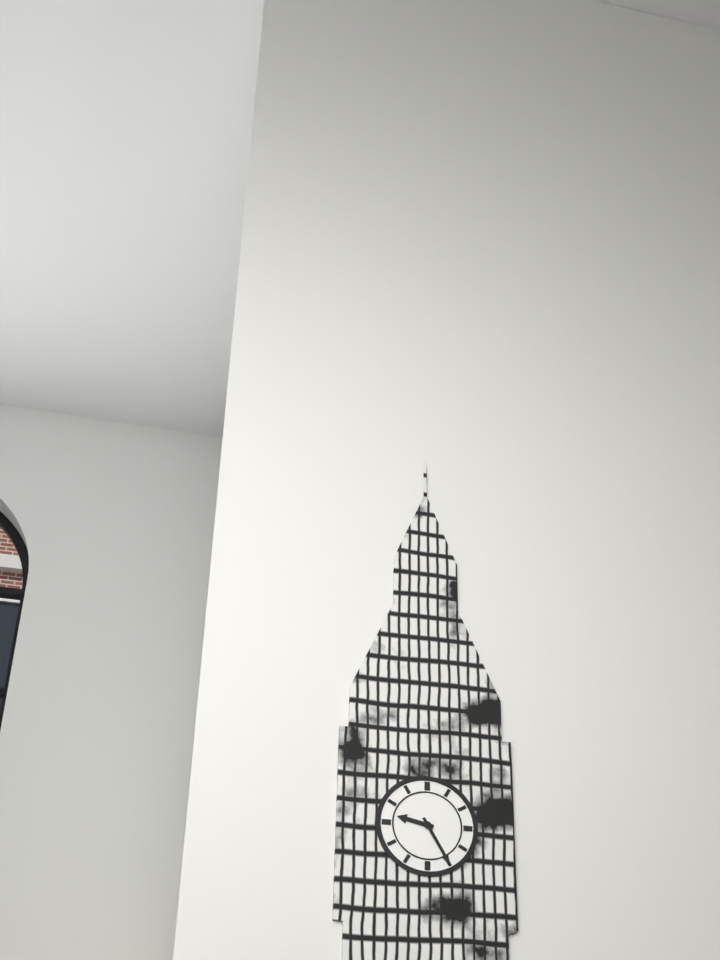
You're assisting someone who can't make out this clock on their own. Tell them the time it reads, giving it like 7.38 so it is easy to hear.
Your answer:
9.25
